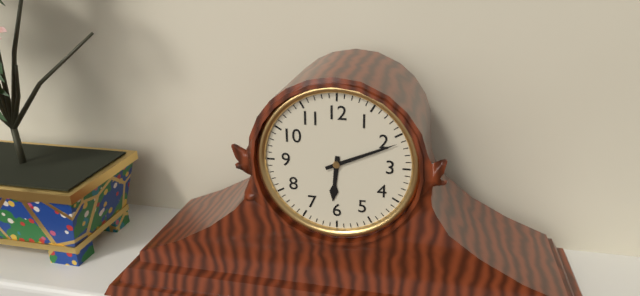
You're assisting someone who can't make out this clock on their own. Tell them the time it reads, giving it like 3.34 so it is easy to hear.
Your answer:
6.11
